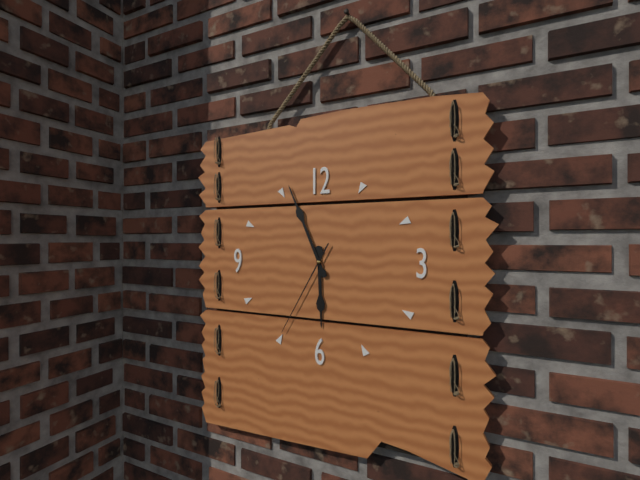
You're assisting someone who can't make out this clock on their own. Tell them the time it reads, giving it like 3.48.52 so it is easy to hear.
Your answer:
5.56.35
